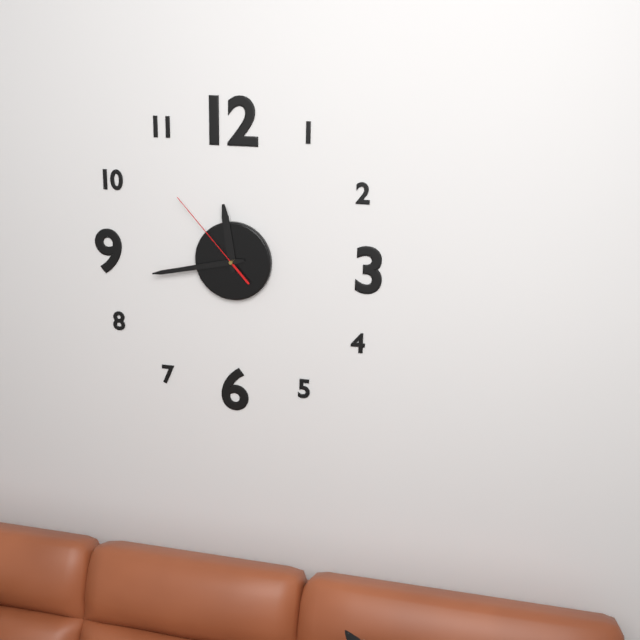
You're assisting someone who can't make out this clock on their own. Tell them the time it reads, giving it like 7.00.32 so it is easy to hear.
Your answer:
11.43.53
